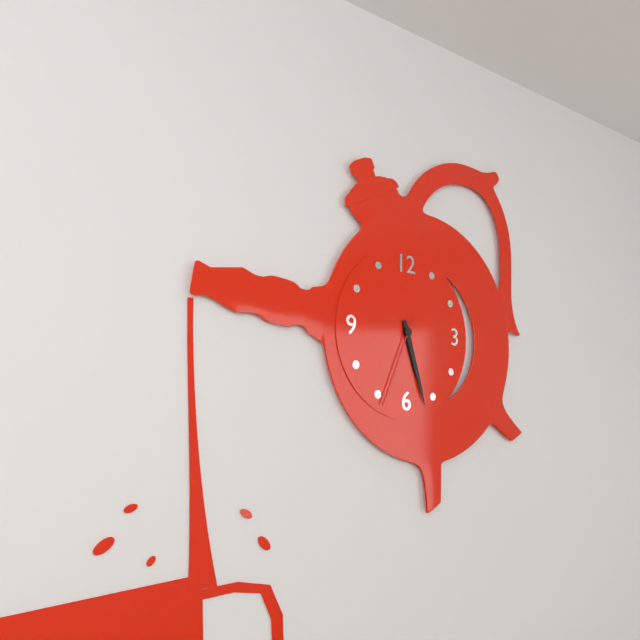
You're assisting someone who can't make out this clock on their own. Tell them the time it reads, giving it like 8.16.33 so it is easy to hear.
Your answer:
5.27.34
